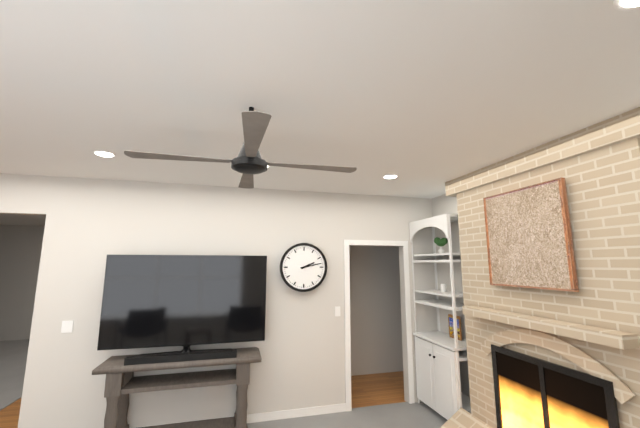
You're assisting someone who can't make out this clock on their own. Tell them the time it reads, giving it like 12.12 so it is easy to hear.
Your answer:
2.13
